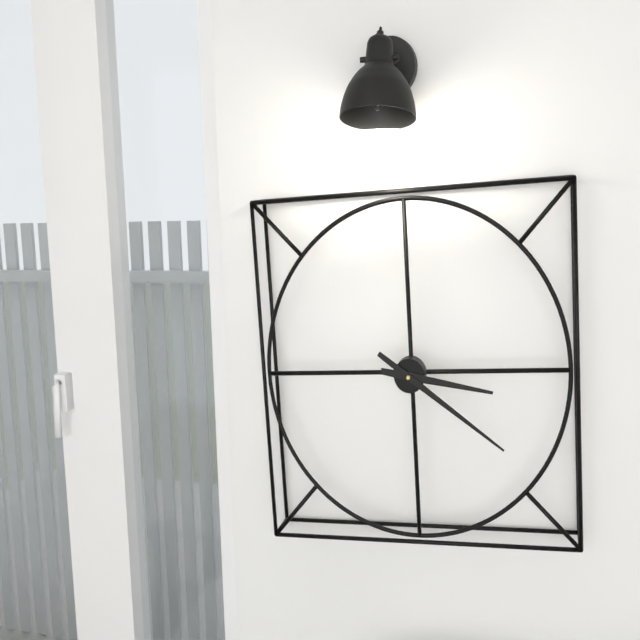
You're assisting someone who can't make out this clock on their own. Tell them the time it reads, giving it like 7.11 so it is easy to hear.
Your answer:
3.21
